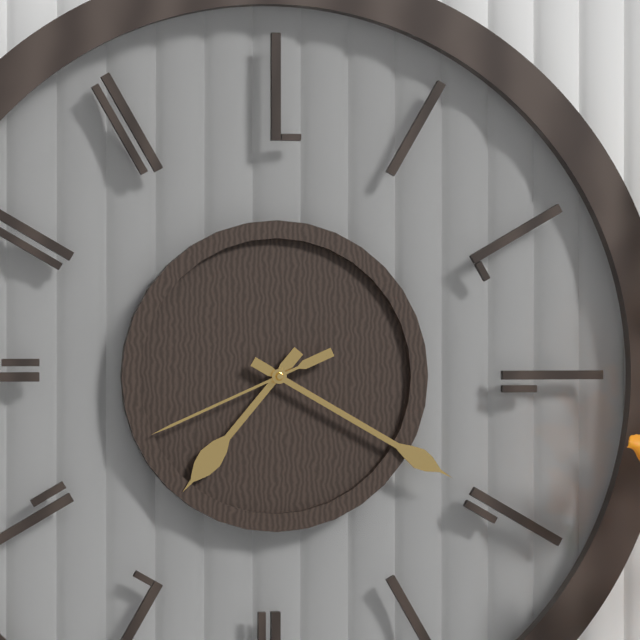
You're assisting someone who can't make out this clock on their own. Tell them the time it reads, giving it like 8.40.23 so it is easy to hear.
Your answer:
7.20.41
